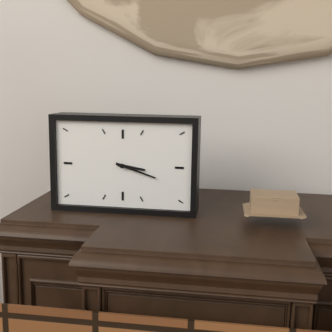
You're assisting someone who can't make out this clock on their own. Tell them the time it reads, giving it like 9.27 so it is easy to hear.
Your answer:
3.18
